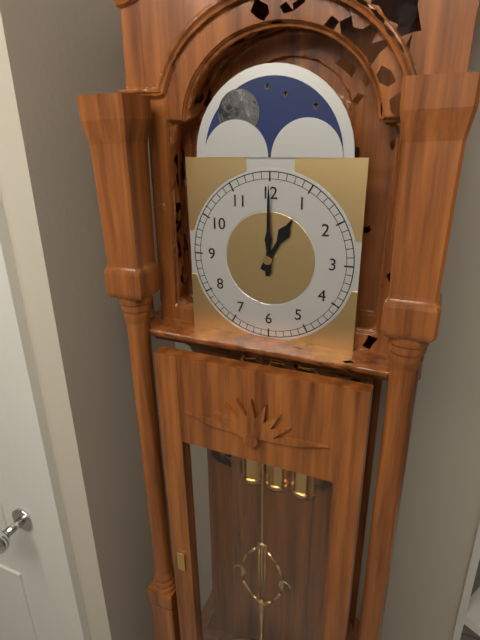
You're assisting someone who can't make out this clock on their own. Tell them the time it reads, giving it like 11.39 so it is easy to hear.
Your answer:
1.00
